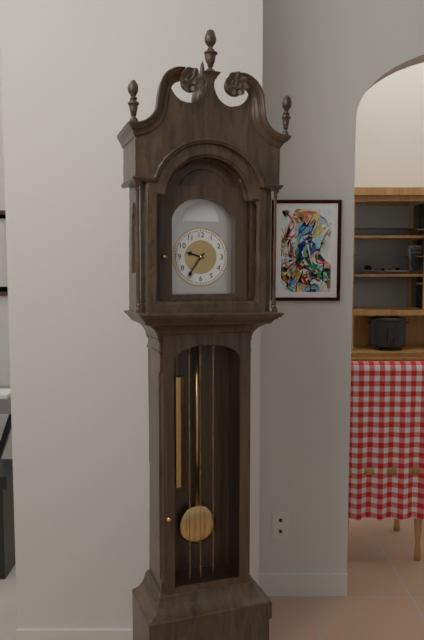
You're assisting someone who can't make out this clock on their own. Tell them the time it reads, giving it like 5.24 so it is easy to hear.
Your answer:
9.36
